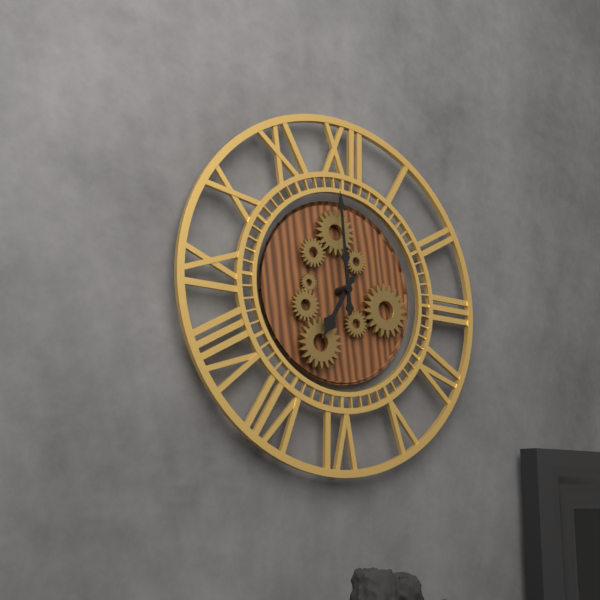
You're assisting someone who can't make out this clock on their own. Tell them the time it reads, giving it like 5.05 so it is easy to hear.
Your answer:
6.59
